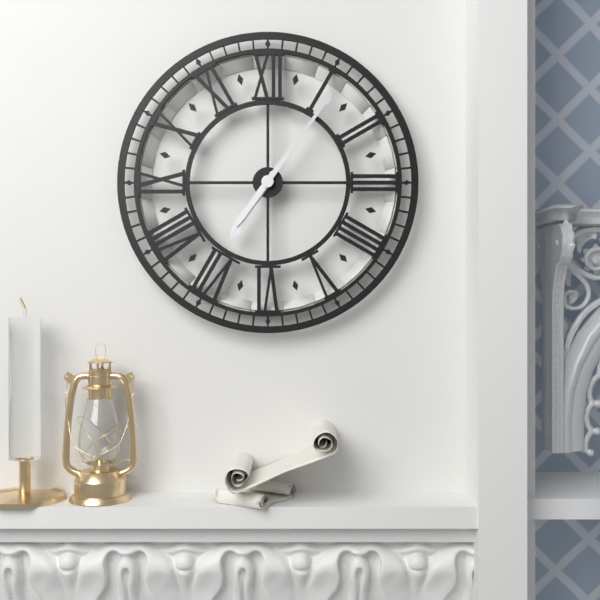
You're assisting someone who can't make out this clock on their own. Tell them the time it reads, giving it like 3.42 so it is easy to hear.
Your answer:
7.06
